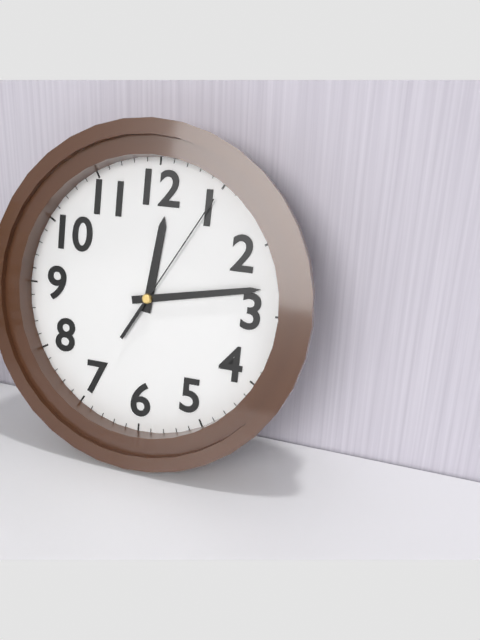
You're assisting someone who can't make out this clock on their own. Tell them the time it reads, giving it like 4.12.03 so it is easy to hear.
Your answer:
12.13.05
